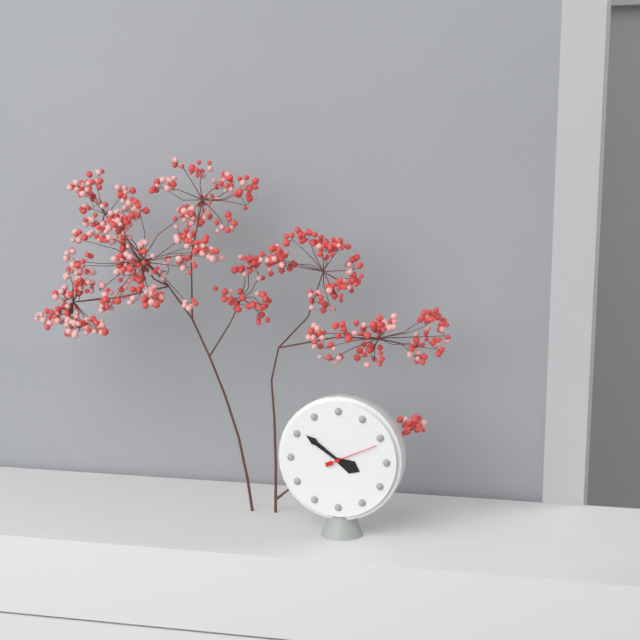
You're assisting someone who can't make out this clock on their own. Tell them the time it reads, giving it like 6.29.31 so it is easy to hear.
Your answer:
3.51.11
